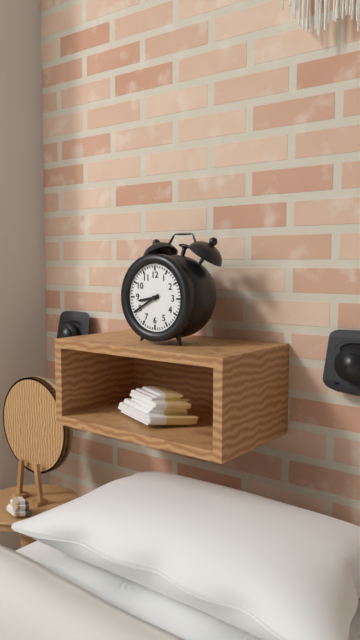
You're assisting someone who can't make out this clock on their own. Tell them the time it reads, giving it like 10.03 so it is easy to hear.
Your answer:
8.40
